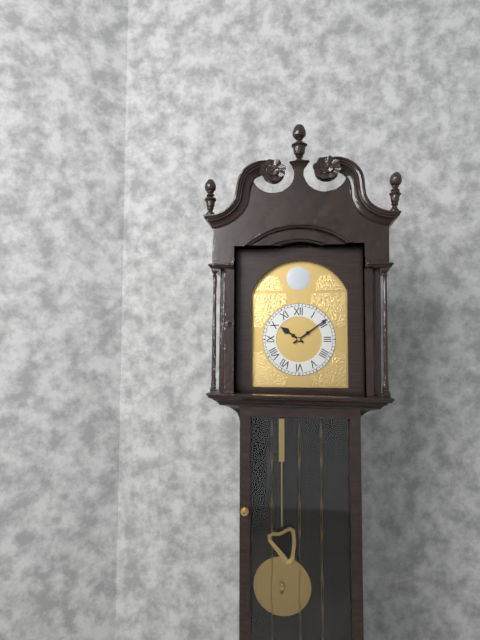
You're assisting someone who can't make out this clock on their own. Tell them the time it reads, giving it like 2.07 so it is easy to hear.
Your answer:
10.09
